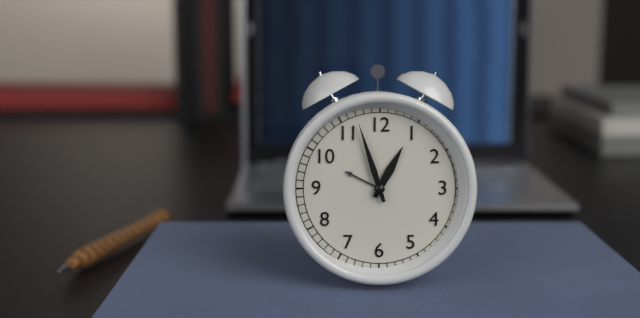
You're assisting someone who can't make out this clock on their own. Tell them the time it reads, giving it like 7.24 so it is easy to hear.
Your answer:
12.57
